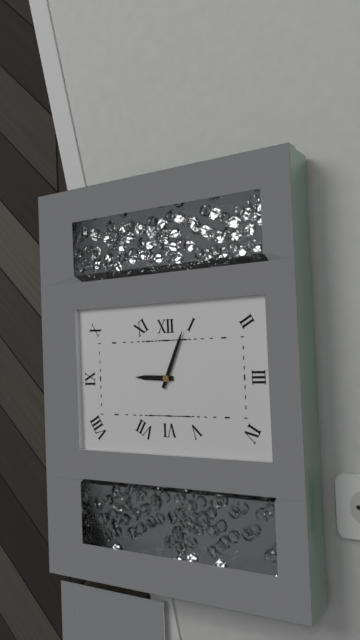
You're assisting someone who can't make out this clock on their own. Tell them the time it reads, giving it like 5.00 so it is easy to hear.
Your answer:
9.04
